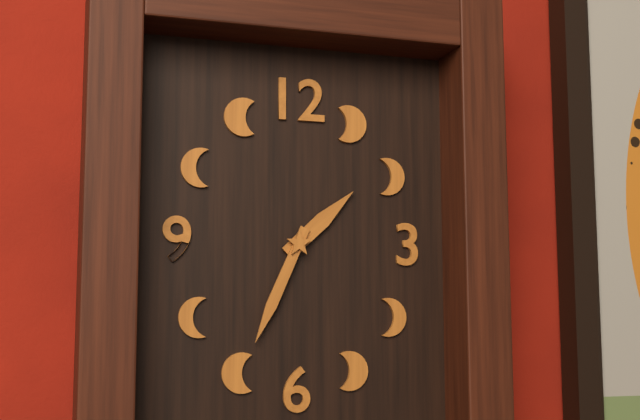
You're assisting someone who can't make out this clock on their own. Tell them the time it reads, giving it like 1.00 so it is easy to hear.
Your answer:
1.34
